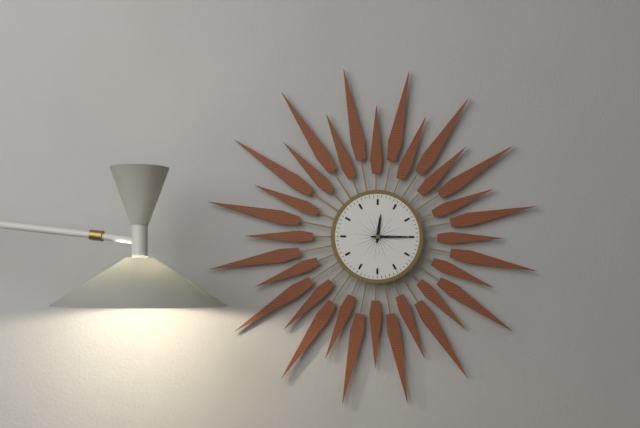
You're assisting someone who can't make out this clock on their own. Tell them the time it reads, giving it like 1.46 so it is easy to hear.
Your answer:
12.15
